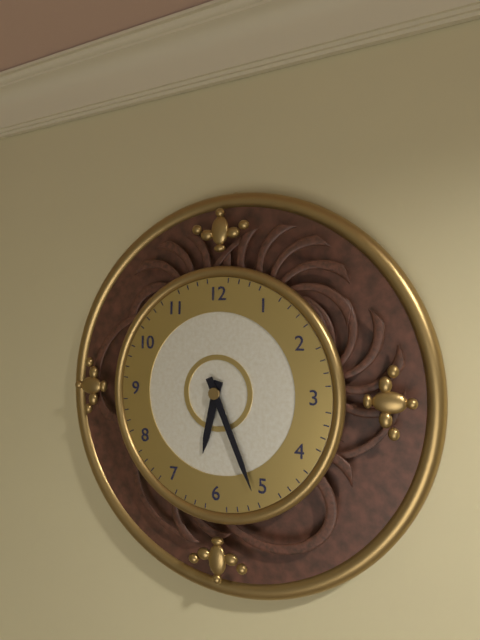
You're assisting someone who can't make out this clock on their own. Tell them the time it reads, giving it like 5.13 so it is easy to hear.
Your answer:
6.26
